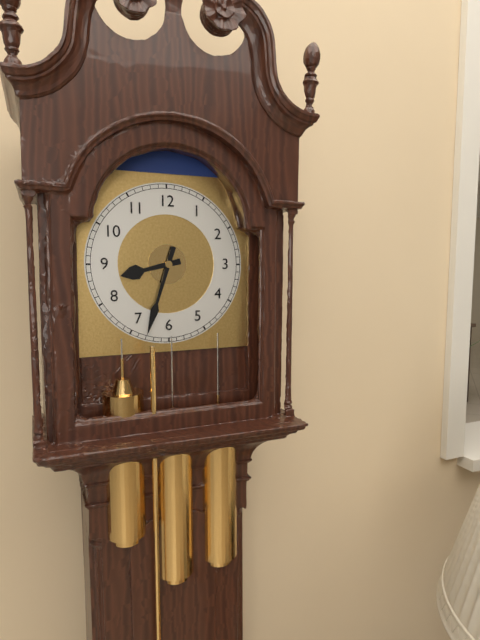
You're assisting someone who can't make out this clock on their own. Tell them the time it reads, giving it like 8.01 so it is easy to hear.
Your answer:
8.33
